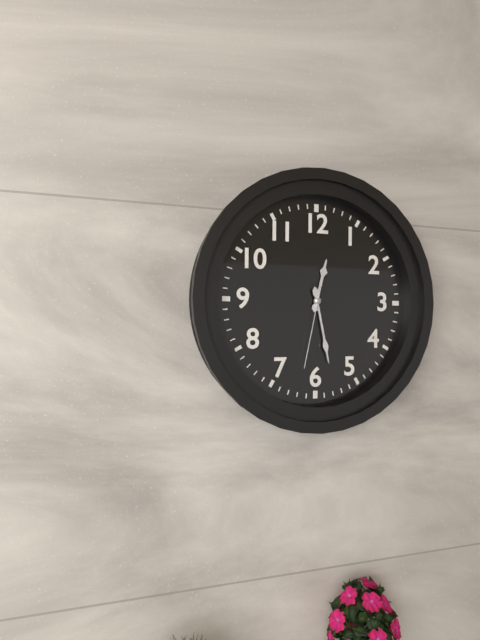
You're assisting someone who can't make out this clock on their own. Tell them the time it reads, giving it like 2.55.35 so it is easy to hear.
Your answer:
12.28.32
